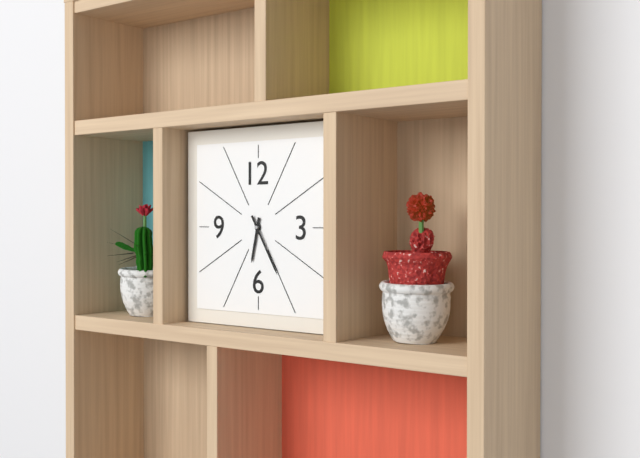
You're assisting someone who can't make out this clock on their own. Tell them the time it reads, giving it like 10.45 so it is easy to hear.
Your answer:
6.25
